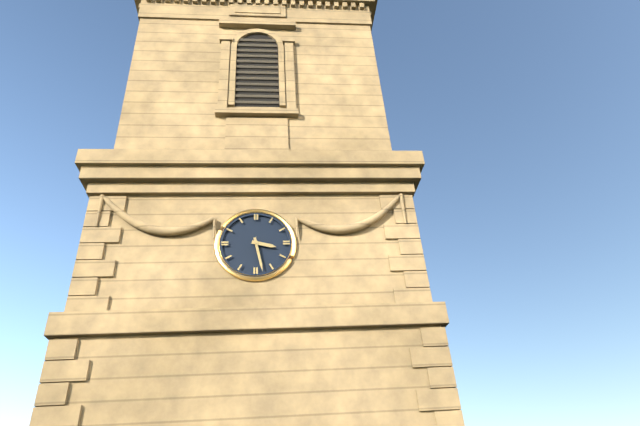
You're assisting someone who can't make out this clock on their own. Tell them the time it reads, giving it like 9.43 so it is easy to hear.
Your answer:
3.28
